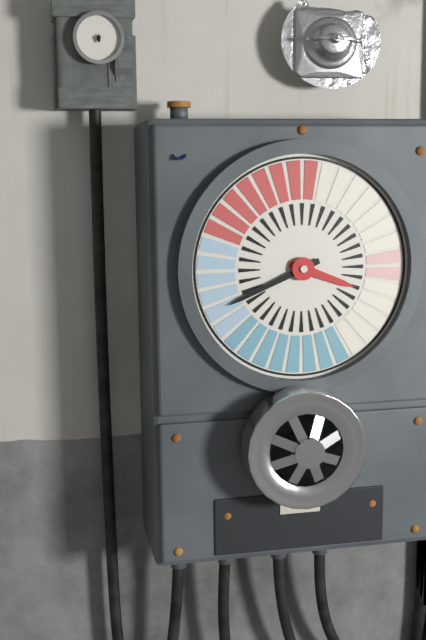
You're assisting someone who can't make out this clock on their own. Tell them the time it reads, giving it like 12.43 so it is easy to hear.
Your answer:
3.41
